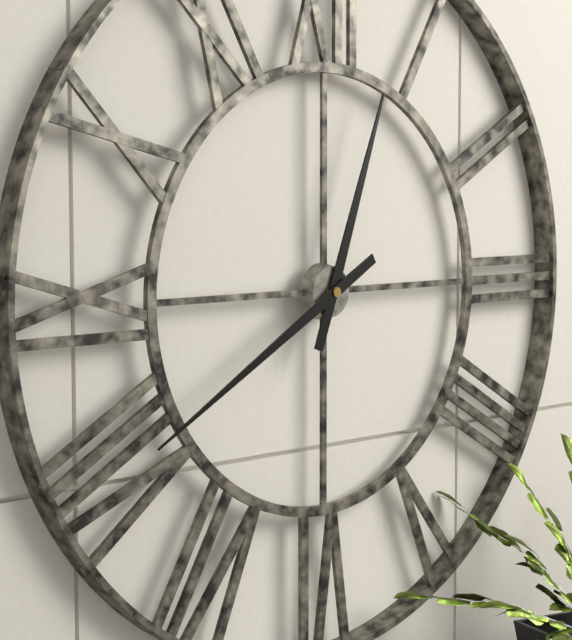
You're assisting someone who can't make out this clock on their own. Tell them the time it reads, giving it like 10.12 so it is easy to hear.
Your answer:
12.40
